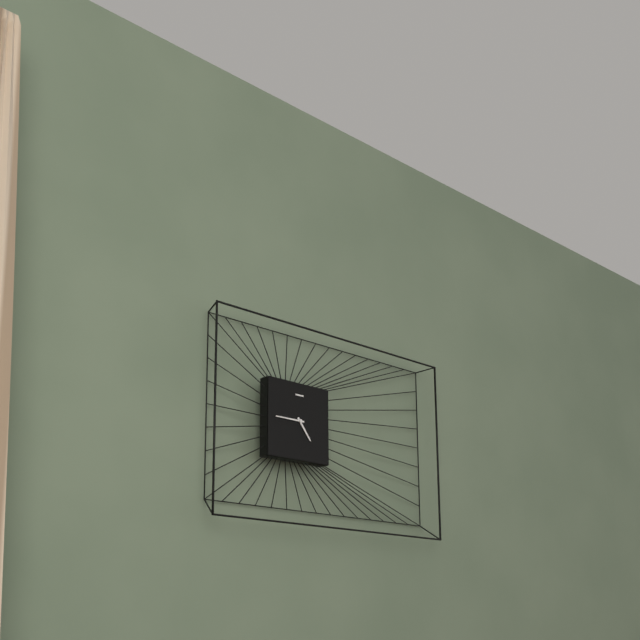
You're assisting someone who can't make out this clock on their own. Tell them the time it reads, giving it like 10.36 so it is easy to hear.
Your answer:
4.45
